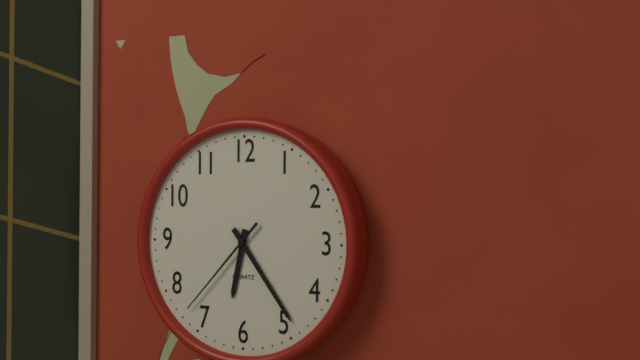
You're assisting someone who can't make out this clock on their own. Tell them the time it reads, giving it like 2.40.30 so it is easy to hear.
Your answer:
6.24.37
